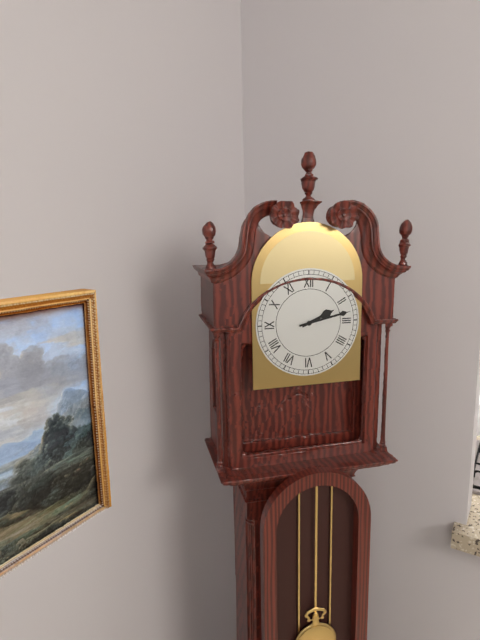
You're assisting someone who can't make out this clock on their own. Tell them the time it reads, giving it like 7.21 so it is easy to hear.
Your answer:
2.13
